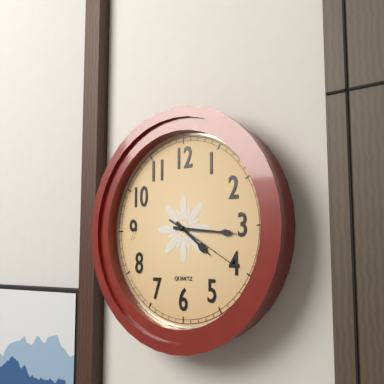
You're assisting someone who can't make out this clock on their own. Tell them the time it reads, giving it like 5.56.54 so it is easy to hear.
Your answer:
4.16.20
